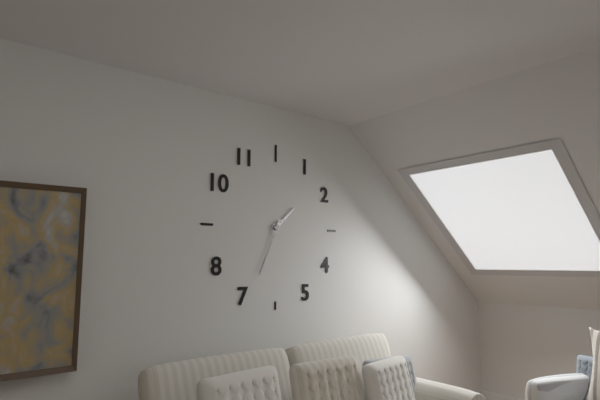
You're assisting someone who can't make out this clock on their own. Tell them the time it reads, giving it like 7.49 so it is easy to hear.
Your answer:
1.34
